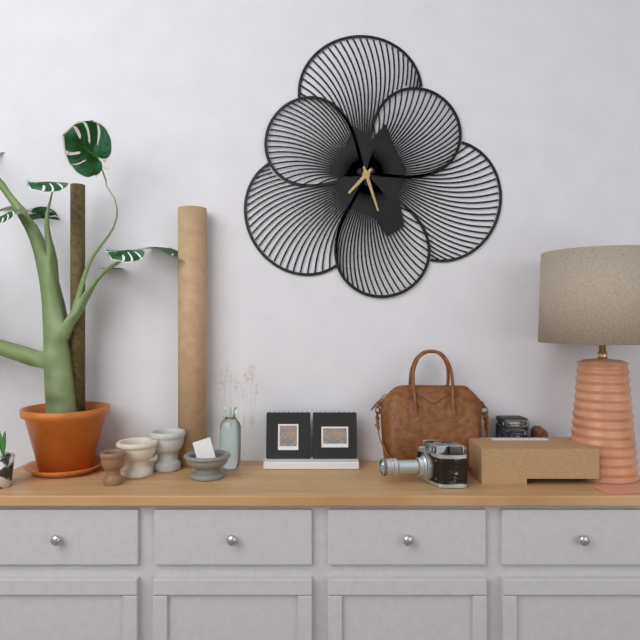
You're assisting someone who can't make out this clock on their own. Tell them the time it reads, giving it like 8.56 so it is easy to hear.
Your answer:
7.27
